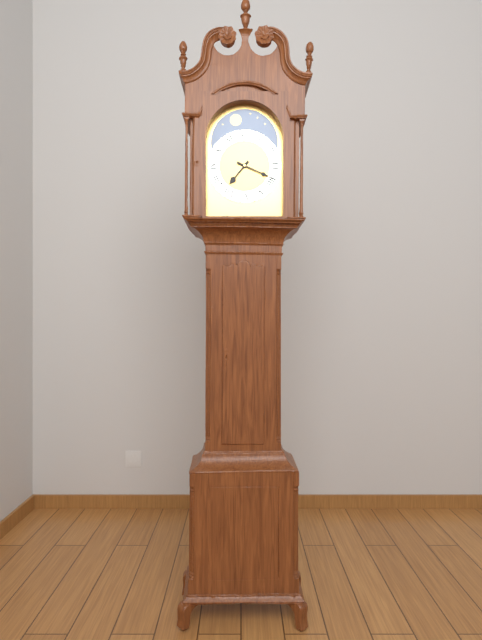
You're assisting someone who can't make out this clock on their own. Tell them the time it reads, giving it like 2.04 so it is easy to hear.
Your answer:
7.19
